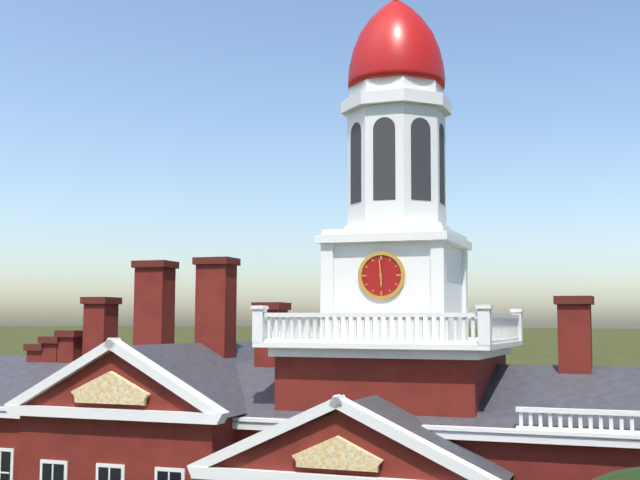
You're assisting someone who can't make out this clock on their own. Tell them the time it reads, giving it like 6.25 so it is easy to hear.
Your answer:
5.59
